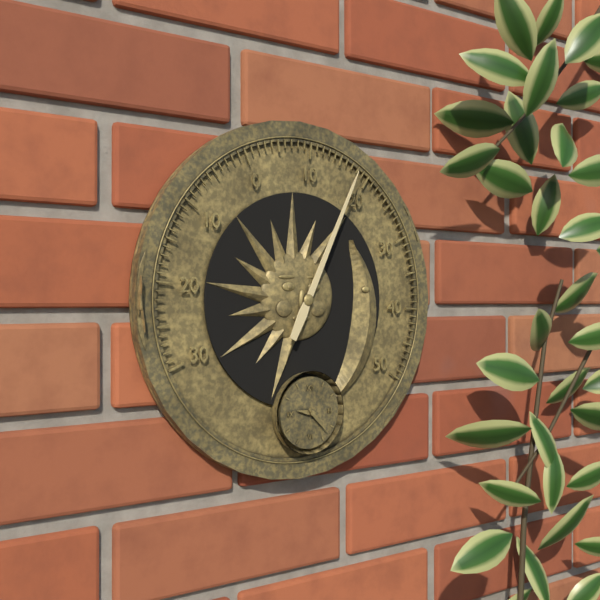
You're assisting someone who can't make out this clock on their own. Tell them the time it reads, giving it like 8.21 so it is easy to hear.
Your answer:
9.23
